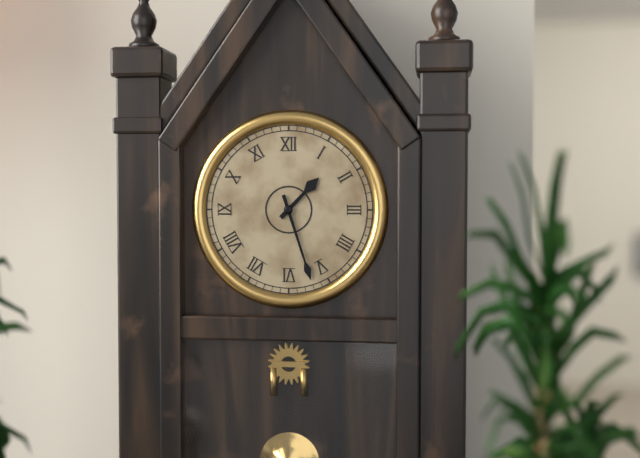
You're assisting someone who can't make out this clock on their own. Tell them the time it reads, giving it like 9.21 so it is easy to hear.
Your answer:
1.27
